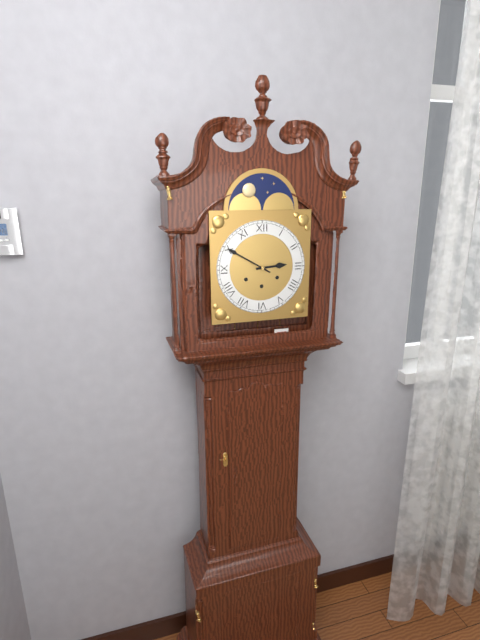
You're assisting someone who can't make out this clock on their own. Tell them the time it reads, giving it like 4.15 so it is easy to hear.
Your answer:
2.50
